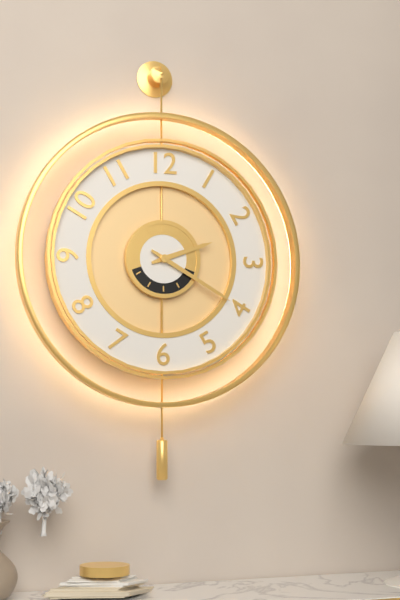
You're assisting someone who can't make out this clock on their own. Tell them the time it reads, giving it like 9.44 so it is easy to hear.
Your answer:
2.20
